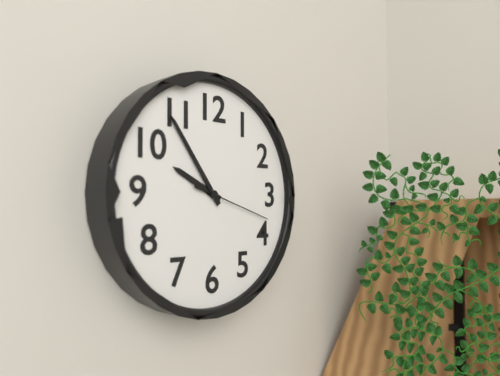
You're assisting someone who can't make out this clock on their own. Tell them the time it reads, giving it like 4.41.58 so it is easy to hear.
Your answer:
9.54.18
